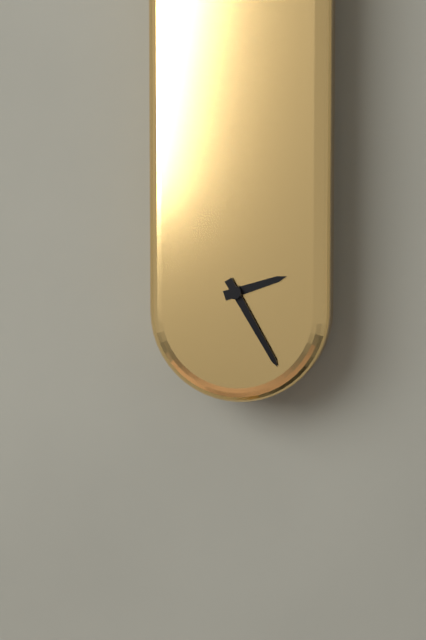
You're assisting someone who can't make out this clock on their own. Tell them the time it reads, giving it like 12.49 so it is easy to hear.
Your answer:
2.25
